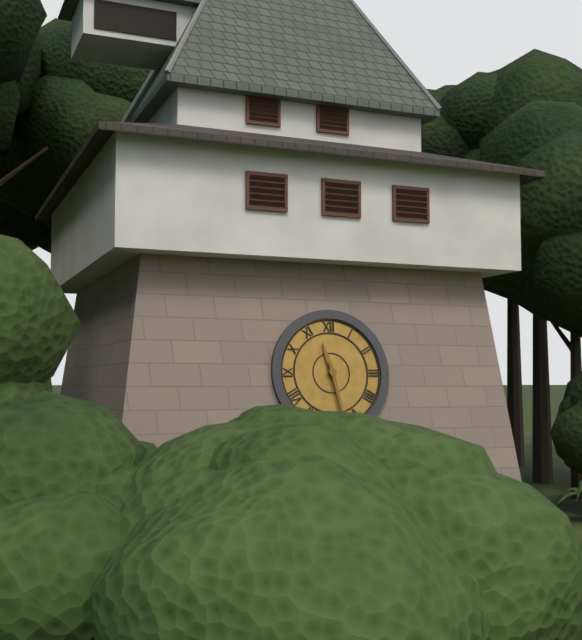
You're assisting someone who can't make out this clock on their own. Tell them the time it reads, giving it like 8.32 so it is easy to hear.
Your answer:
11.28
